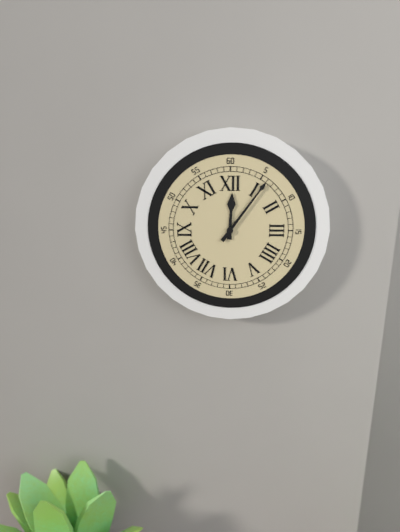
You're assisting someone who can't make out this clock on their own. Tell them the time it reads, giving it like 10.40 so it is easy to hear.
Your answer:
12.06
